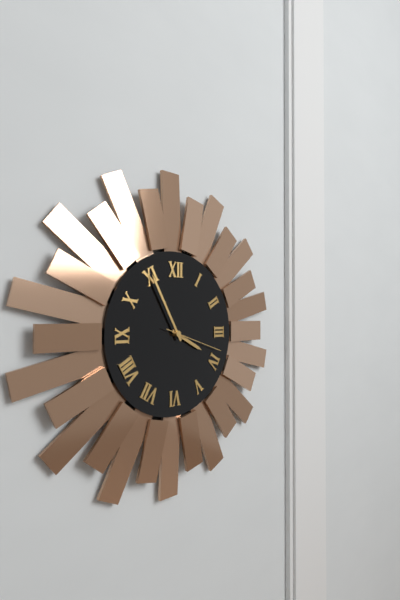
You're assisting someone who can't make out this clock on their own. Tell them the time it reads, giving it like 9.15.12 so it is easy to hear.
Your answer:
3.55.18
